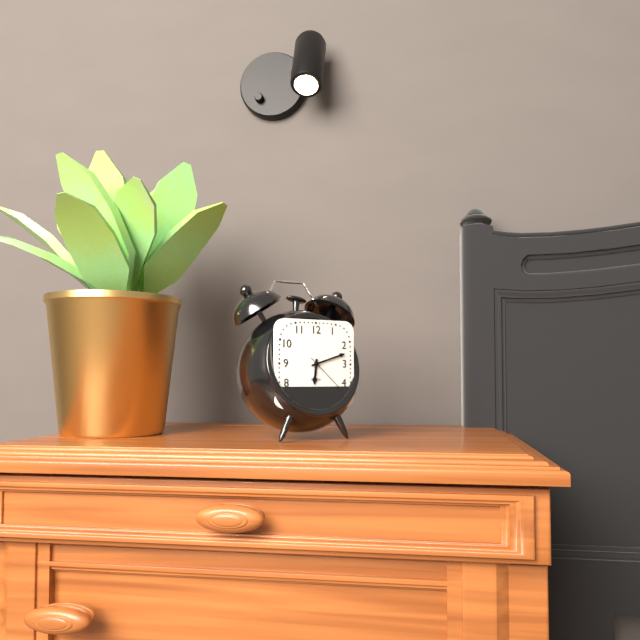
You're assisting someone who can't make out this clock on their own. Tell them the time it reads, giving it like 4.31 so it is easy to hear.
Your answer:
6.12
